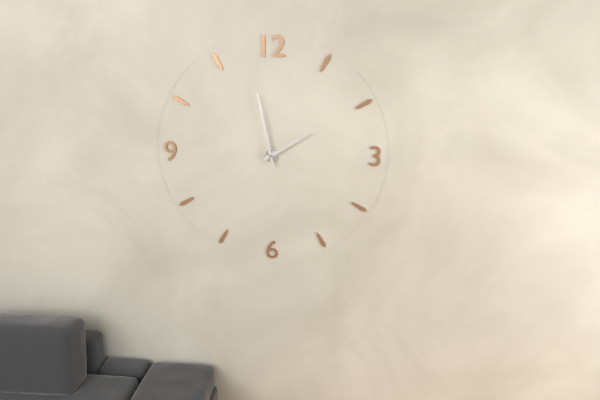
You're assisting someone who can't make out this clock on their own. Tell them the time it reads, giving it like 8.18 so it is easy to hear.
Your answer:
1.58
